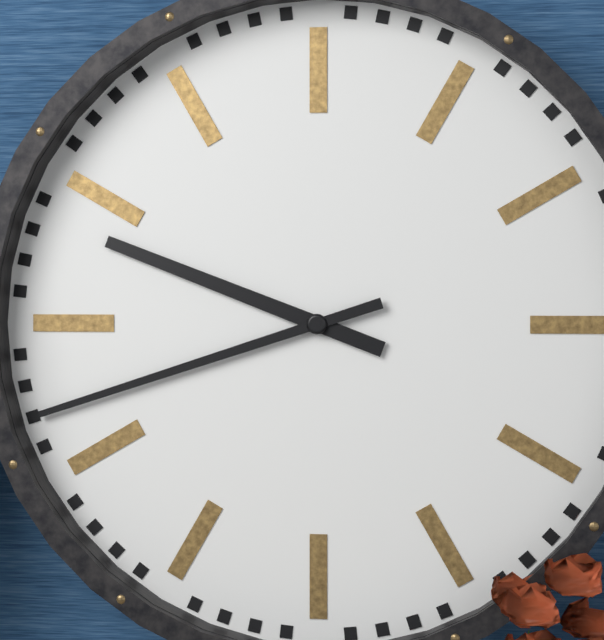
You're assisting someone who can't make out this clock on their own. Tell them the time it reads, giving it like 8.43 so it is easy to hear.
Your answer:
9.42
